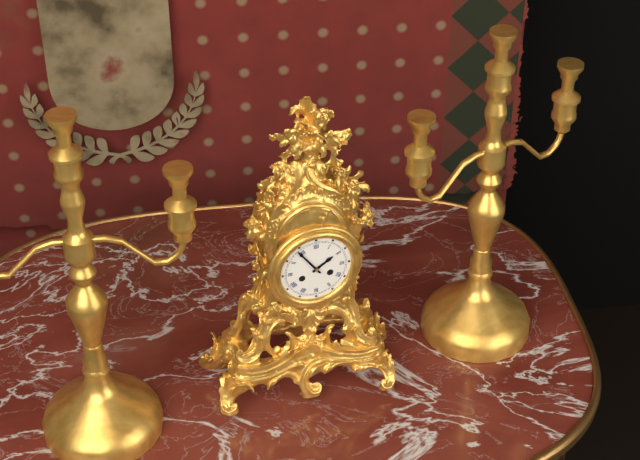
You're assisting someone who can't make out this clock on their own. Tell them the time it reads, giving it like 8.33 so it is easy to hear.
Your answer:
1.54
